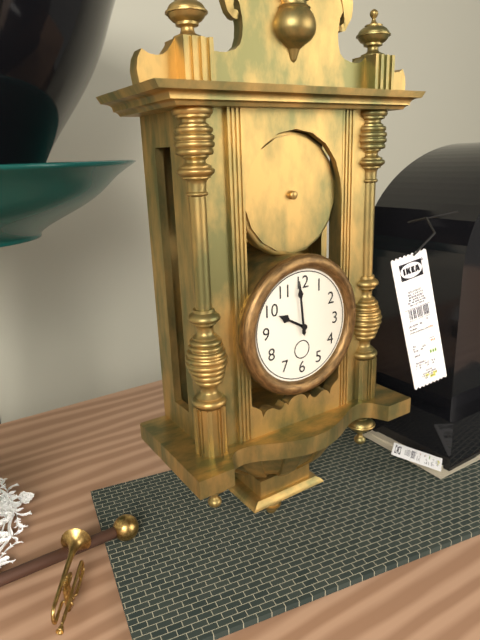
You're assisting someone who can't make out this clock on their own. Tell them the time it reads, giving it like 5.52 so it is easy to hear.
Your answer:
9.59
